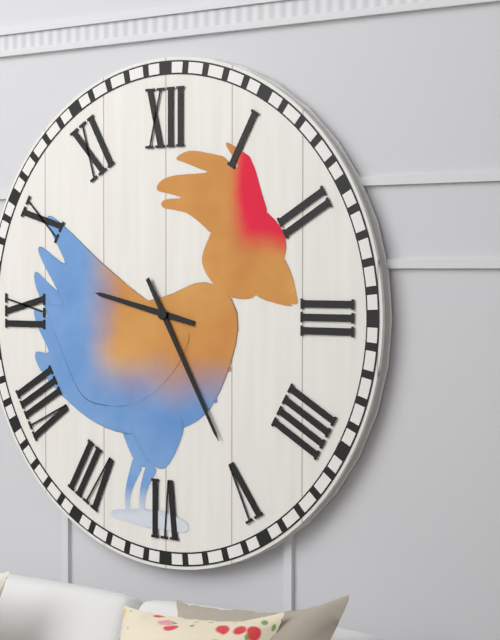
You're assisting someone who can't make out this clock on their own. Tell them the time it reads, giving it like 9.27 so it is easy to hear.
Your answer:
9.25
